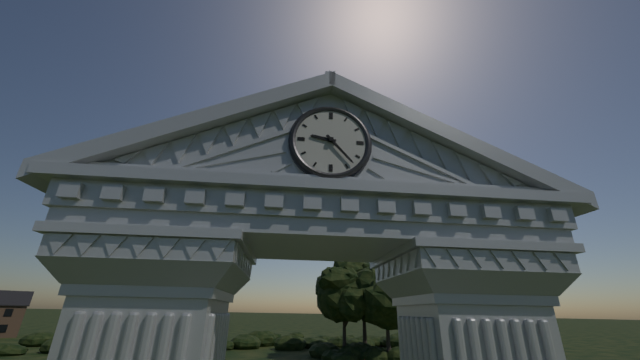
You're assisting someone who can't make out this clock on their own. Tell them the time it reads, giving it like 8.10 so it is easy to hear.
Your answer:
9.23
